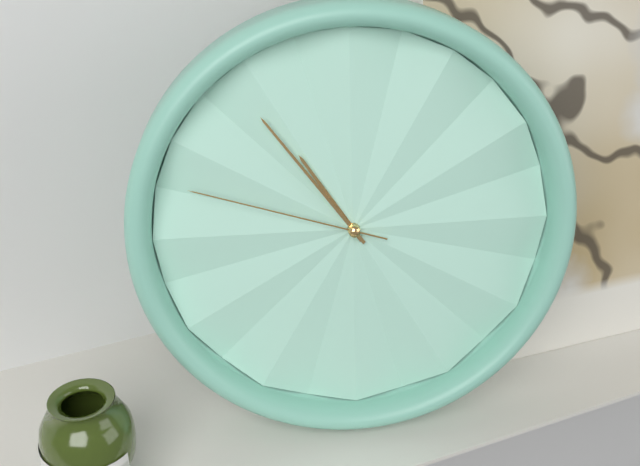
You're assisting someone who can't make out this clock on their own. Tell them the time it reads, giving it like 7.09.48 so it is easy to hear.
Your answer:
10.54.48
